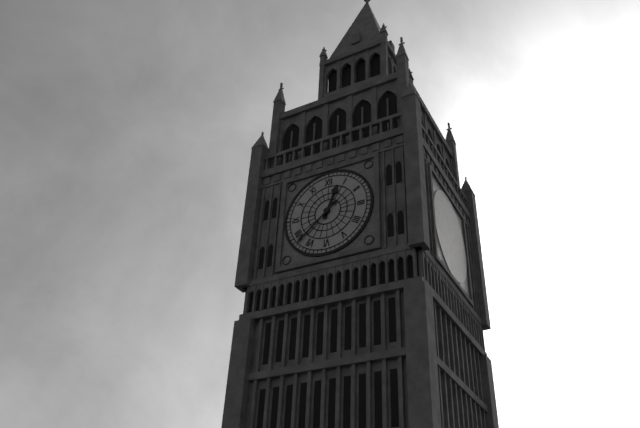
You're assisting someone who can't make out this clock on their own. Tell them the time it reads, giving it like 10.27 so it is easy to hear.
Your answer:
12.38
